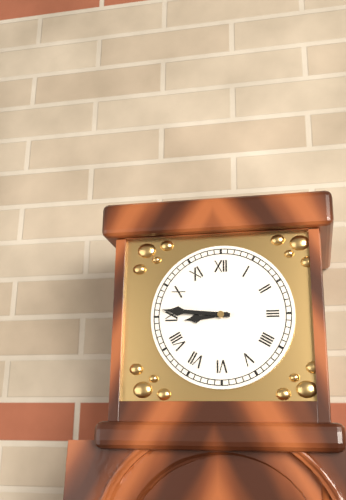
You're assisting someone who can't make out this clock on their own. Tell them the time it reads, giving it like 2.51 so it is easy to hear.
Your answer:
8.46
